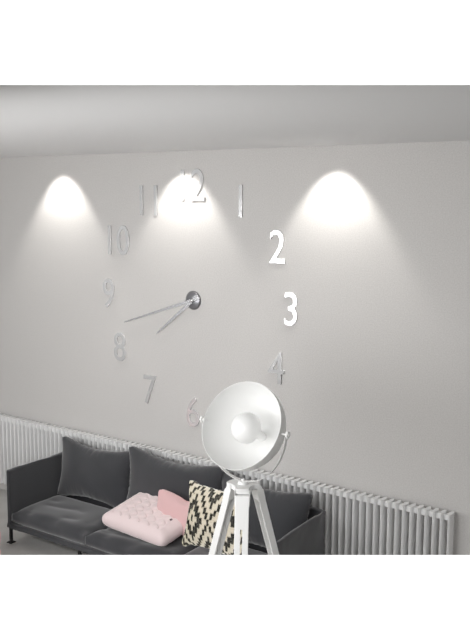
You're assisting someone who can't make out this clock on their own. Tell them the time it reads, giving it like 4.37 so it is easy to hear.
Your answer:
7.42
